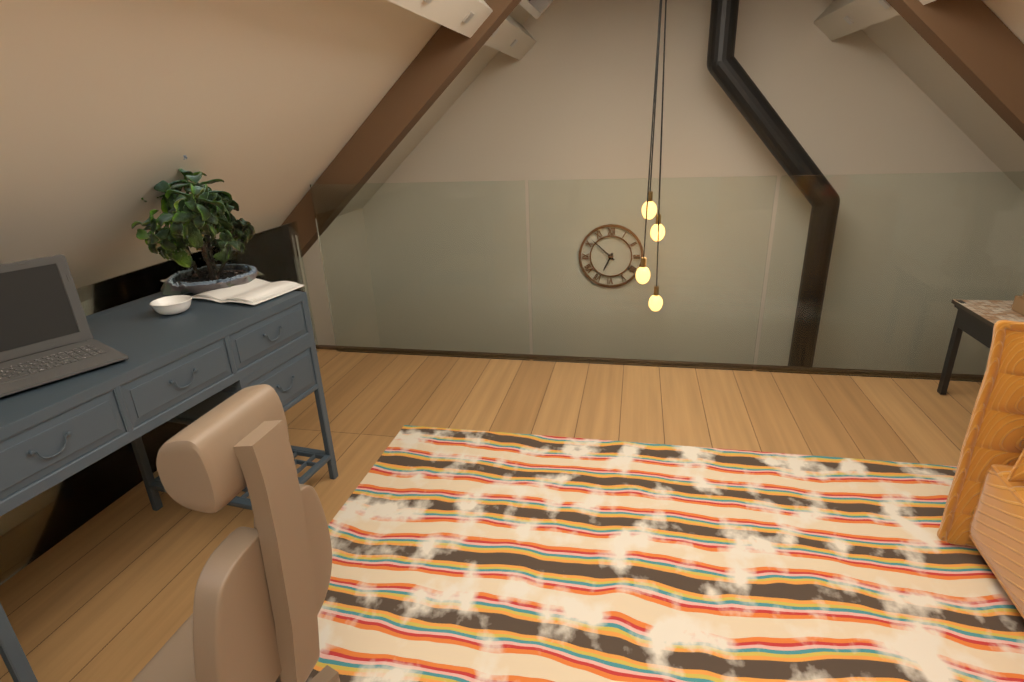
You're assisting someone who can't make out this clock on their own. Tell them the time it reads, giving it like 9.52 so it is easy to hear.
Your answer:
6.52
